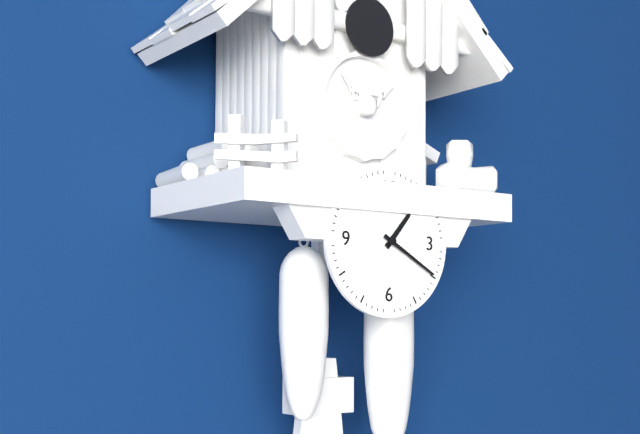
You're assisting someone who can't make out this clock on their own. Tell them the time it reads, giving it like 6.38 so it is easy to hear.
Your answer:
1.20
